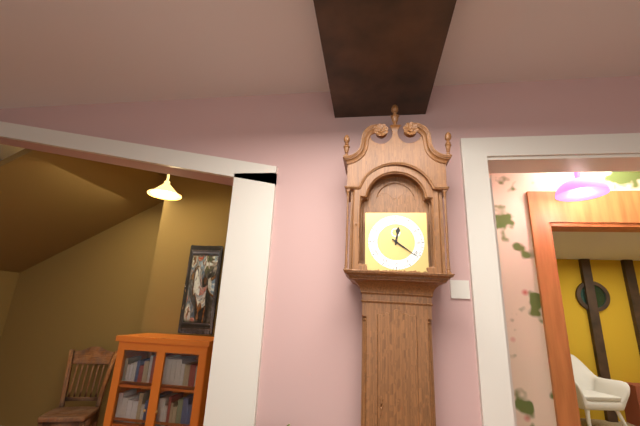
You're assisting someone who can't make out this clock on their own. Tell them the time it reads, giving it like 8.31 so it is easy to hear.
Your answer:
12.21
